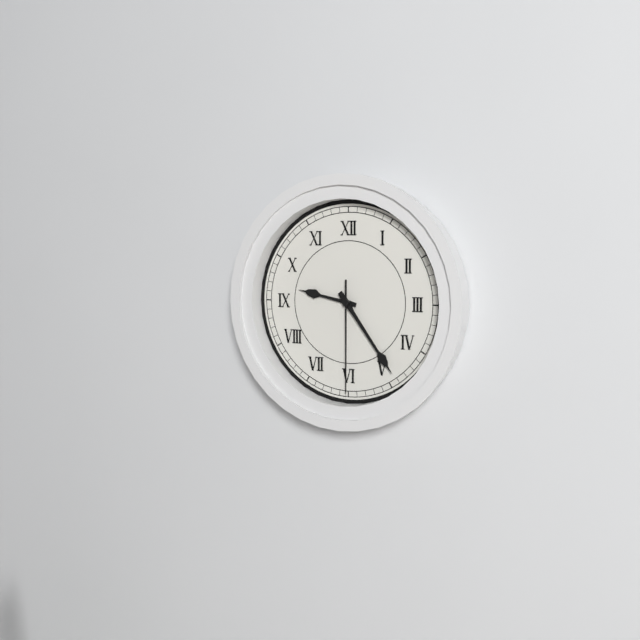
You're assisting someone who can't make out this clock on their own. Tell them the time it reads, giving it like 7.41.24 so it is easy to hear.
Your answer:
9.24.30
